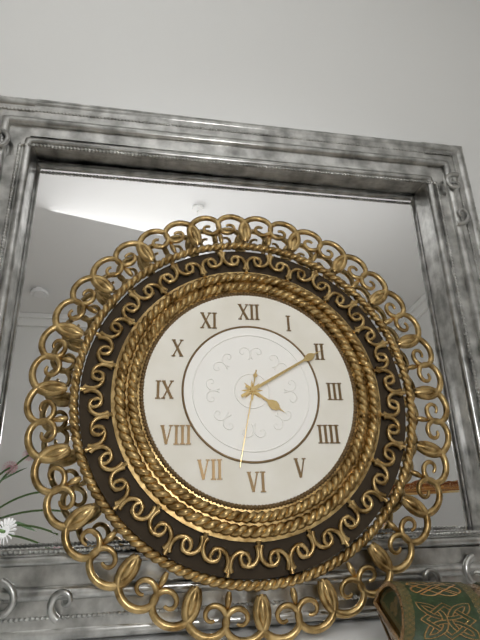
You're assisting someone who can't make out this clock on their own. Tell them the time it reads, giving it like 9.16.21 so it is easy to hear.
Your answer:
4.10.32
